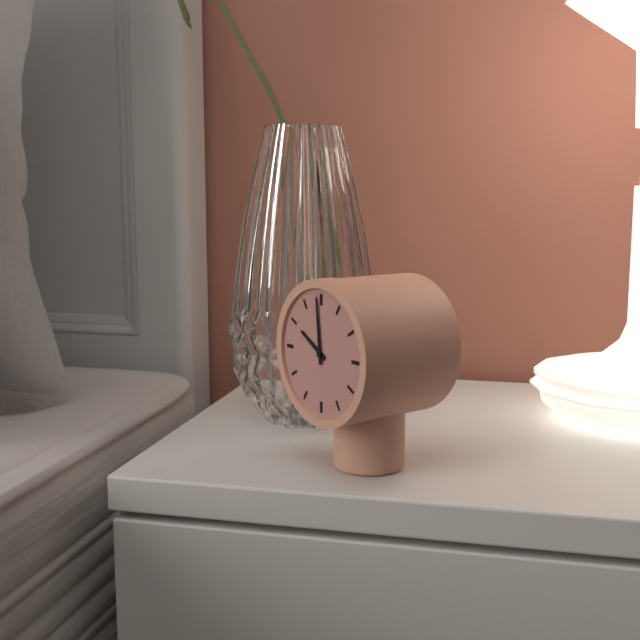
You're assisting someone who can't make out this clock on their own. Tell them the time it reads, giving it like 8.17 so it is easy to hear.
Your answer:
9.59
